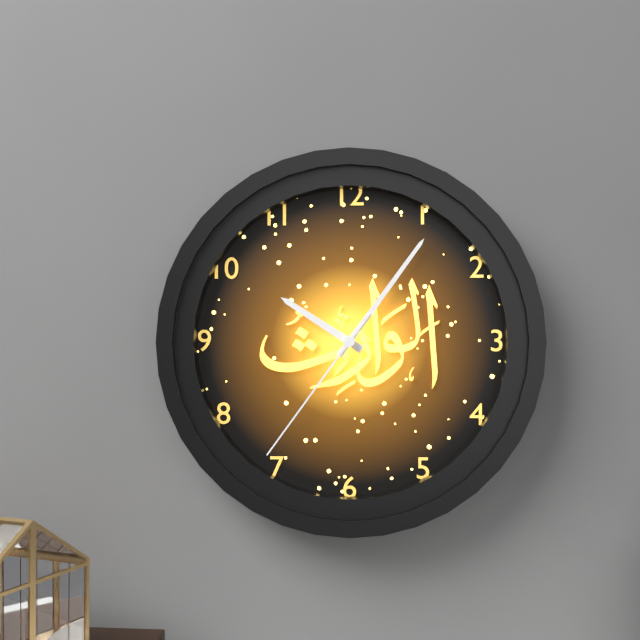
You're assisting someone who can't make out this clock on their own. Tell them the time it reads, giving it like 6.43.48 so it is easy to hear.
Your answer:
10.06.36
